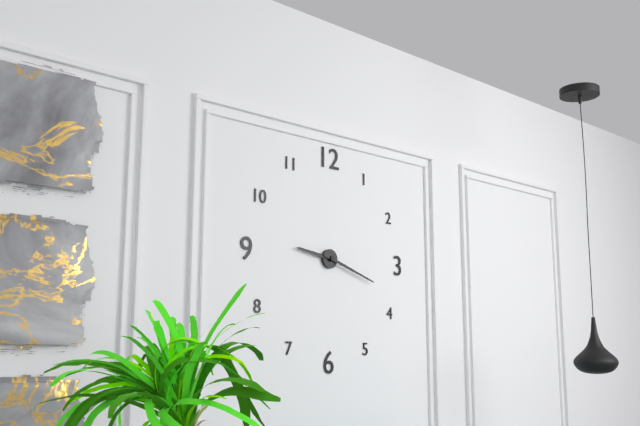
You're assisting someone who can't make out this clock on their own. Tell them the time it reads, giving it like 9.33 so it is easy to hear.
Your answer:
9.18
